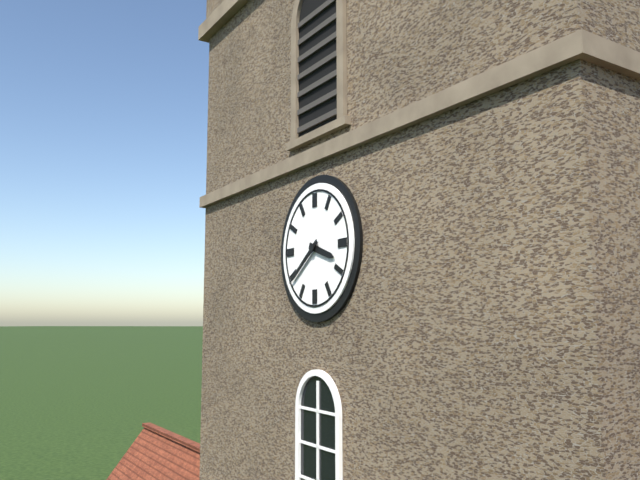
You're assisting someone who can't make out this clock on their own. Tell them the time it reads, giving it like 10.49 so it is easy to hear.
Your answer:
3.39
